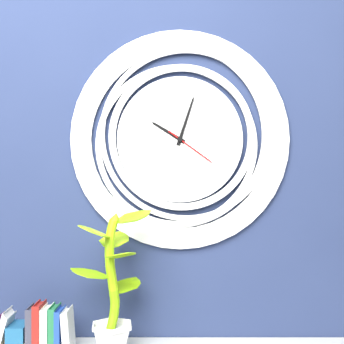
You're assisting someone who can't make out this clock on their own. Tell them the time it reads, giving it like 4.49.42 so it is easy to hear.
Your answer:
10.03.21
